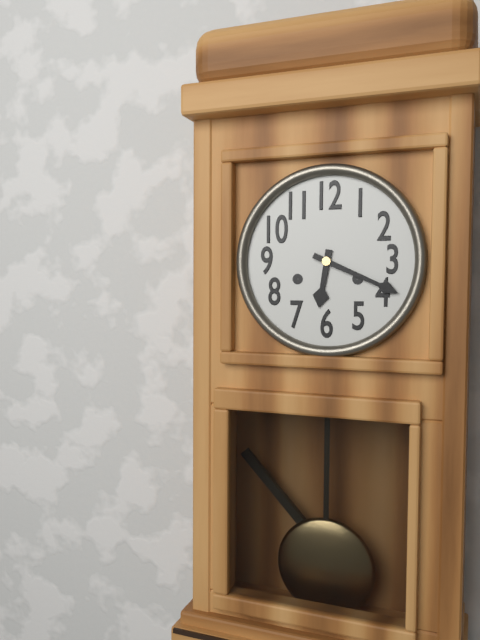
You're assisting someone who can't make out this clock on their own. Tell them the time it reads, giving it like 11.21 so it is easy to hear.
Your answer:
6.19
